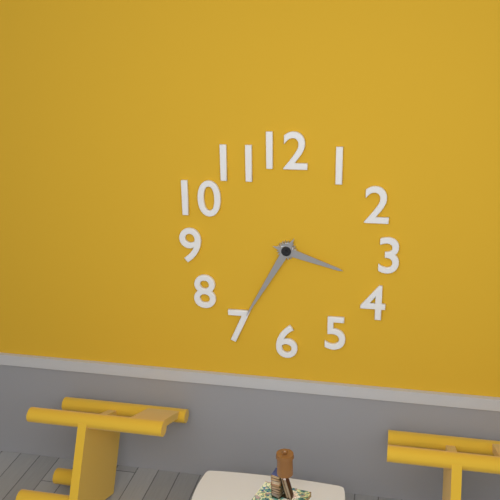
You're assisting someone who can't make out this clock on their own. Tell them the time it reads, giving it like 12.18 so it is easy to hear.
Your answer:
3.35
